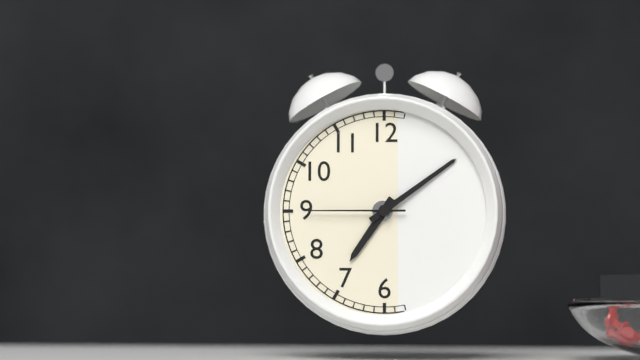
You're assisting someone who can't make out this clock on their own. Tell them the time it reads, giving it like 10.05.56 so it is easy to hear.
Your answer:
7.09.45
